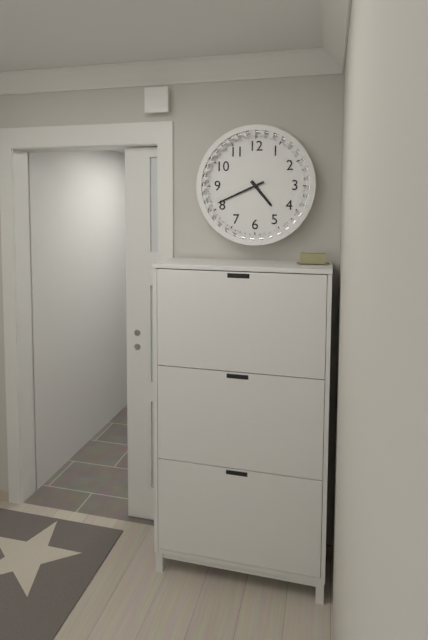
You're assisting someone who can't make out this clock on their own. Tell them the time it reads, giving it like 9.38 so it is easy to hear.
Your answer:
4.41
